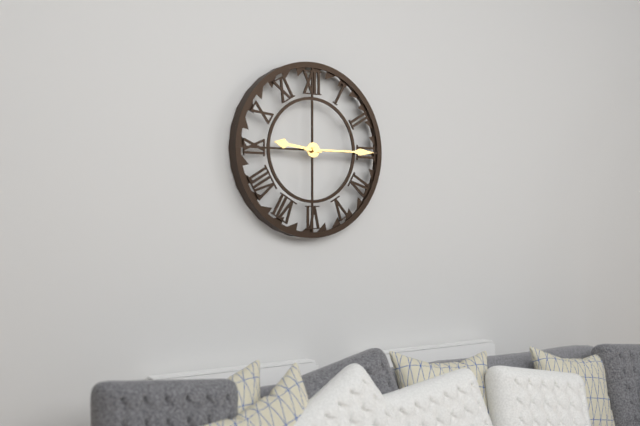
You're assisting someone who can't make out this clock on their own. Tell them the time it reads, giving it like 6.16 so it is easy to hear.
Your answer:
9.15
